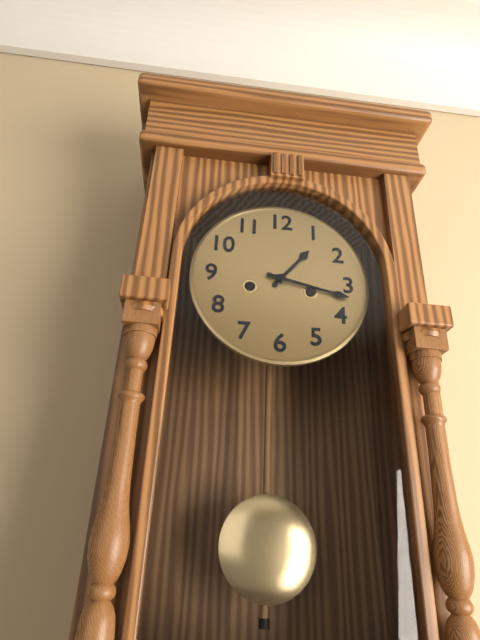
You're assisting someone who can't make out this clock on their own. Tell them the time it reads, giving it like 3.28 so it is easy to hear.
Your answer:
1.17
